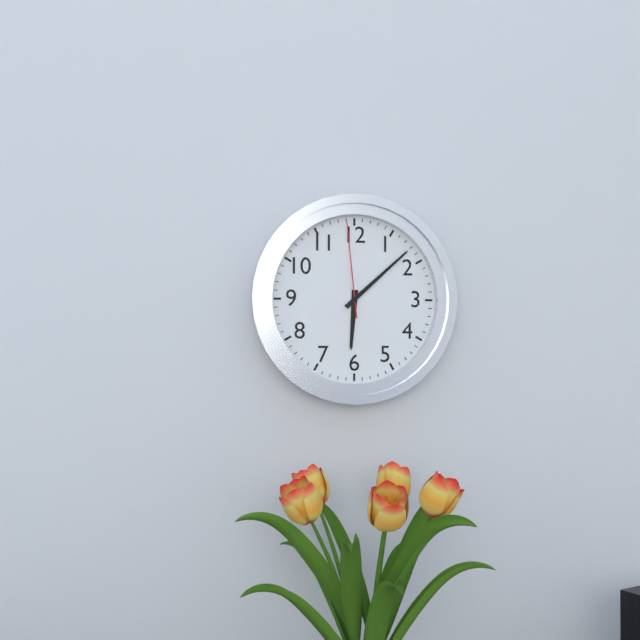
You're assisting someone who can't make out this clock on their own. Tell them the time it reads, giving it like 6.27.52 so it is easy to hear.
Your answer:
6.08.59
